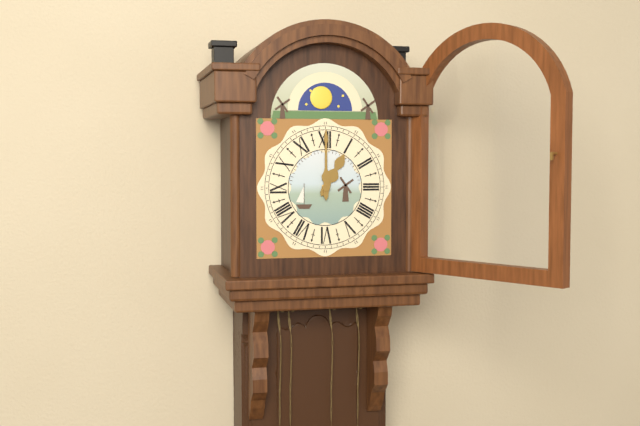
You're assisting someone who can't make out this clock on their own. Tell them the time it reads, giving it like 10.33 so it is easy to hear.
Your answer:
1.00
